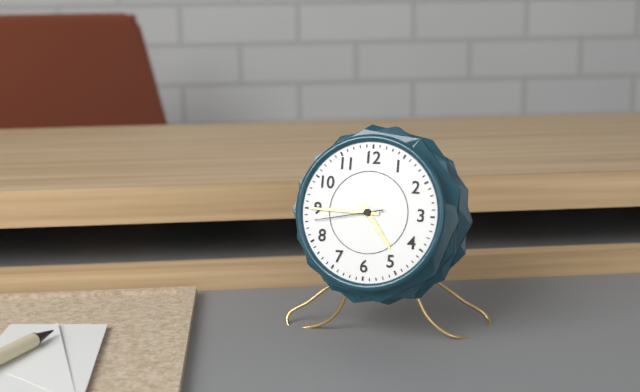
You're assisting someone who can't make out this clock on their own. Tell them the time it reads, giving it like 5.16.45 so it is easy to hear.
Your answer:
4.45.43
